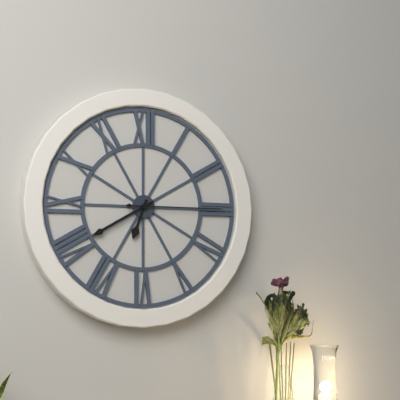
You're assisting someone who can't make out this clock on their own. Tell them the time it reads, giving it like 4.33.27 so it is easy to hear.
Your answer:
6.40.15
